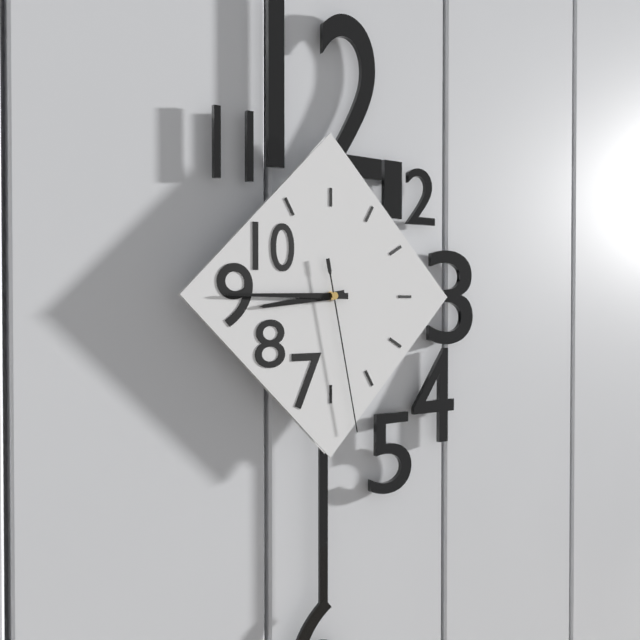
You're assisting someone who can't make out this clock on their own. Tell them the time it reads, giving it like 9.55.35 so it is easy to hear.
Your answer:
8.45.28
